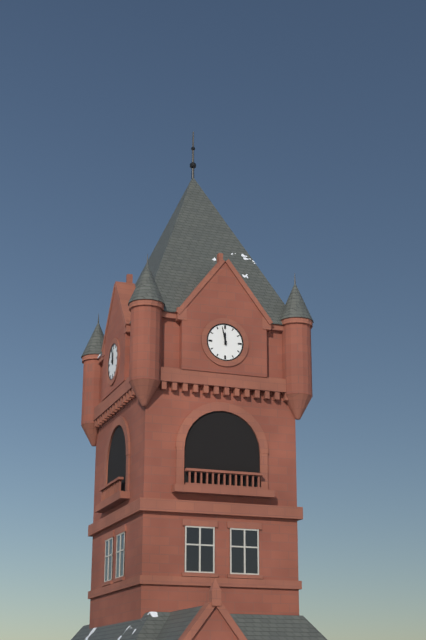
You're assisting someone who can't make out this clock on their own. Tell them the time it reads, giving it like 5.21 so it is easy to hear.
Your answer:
11.58
